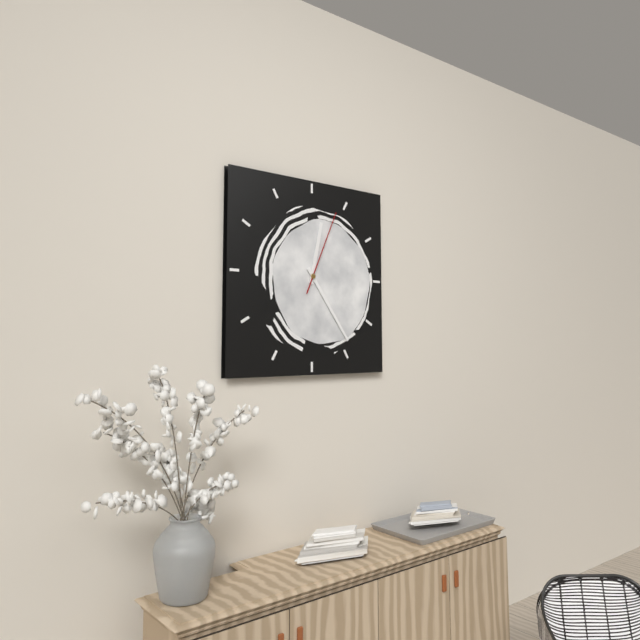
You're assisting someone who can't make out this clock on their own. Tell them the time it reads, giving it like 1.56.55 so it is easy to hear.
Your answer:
12.24.04
